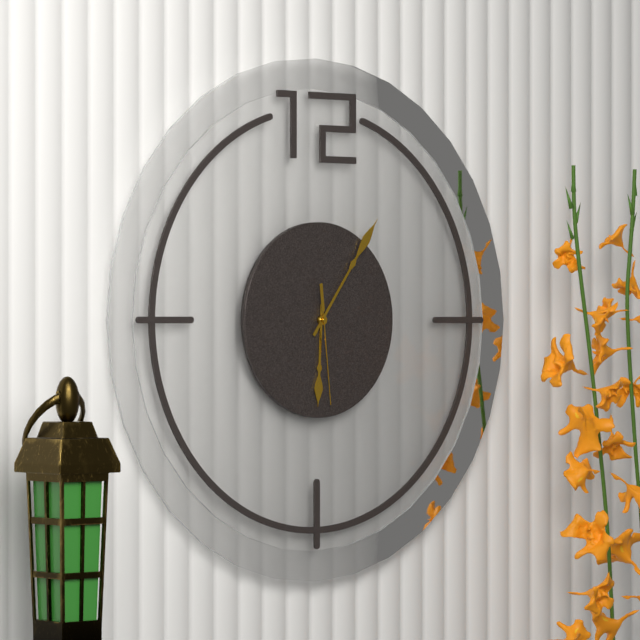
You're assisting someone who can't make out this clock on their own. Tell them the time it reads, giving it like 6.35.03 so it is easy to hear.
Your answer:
6.06.29
